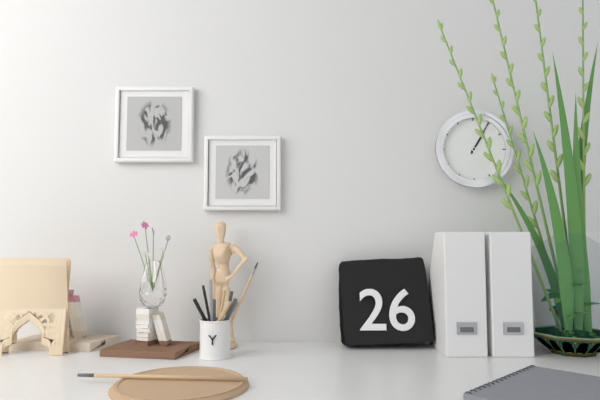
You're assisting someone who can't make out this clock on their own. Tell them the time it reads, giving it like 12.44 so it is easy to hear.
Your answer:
1.05
